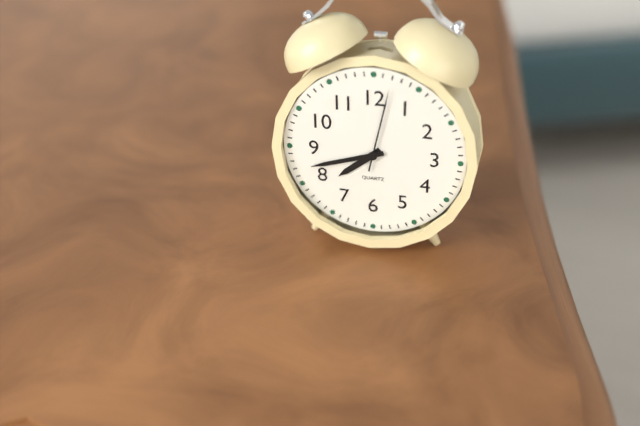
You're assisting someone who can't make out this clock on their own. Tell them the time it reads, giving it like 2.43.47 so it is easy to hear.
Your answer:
7.42.02
